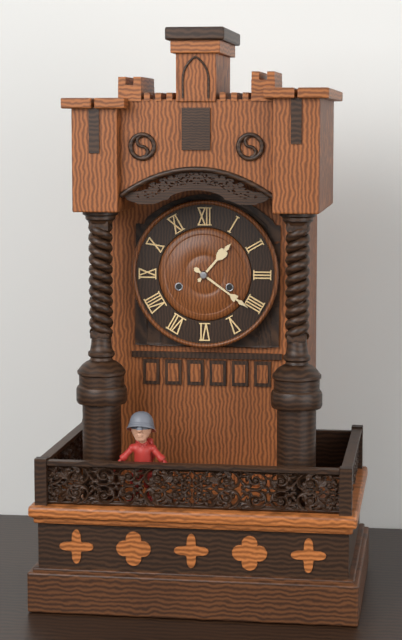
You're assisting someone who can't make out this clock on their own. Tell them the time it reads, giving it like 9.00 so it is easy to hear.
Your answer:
1.21
